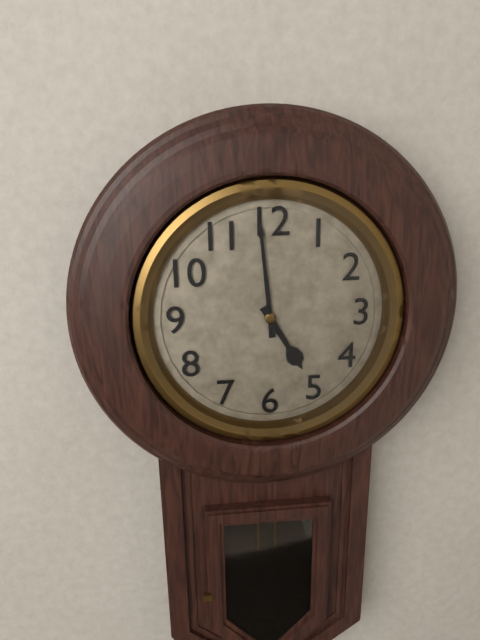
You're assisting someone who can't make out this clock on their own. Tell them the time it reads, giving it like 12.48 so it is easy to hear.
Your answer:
4.59
